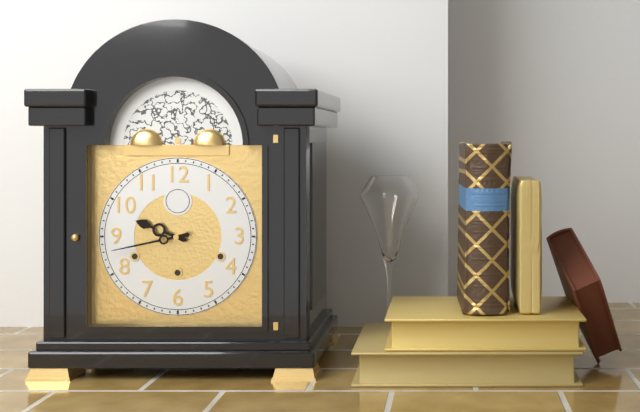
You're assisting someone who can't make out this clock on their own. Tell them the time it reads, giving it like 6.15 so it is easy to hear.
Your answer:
9.43
